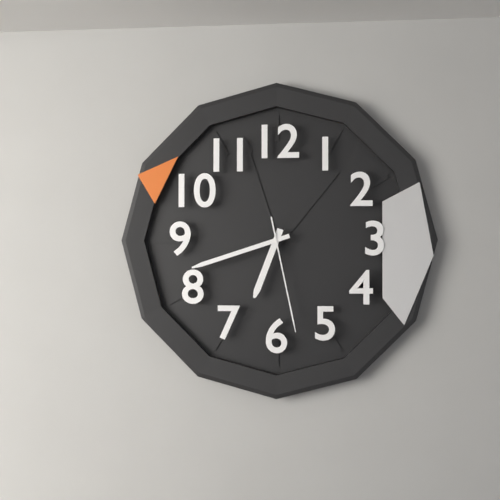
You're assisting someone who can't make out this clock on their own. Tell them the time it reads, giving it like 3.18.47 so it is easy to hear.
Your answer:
6.42.28
